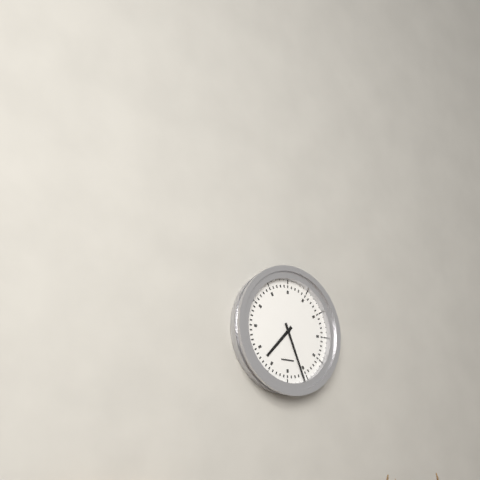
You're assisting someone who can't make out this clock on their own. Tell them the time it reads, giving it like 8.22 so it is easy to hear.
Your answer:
7.26
